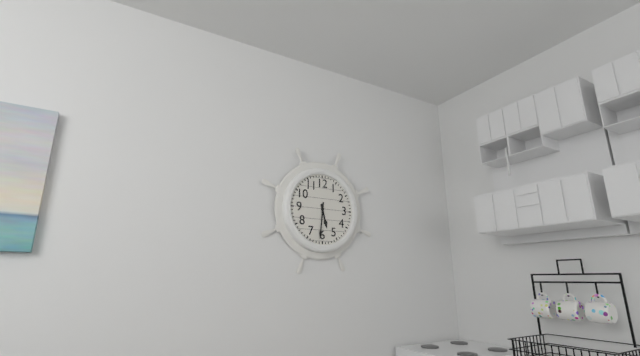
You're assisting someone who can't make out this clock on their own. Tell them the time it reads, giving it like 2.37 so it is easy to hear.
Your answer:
5.31
